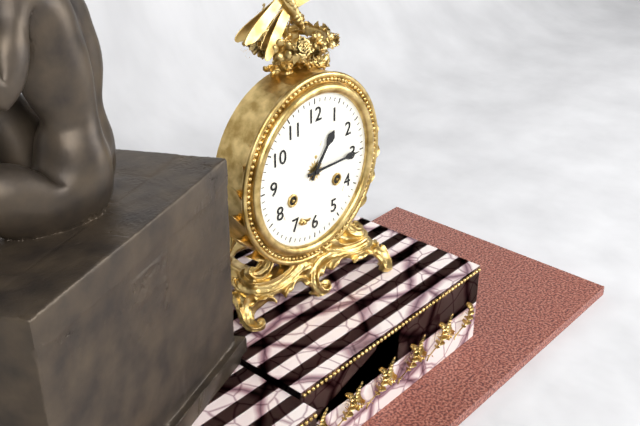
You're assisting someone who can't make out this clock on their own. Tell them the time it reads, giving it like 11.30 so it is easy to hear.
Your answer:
1.15
